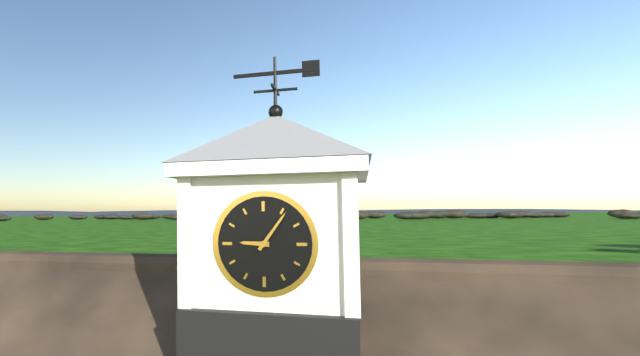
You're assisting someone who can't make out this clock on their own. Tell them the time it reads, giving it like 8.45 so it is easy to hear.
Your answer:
9.06
